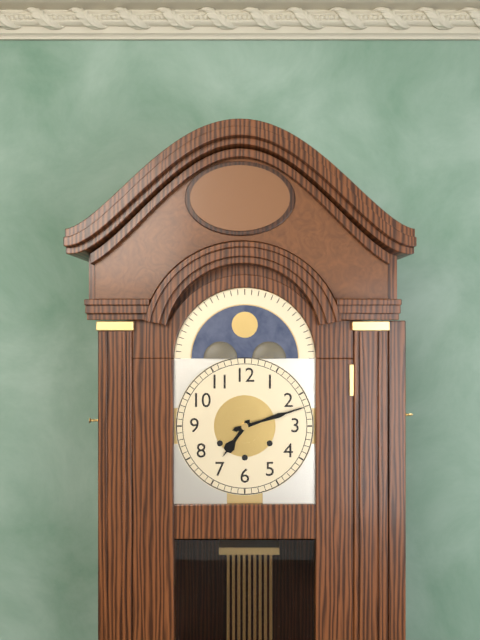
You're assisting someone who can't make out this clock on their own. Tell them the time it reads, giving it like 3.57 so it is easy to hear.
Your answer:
7.12
